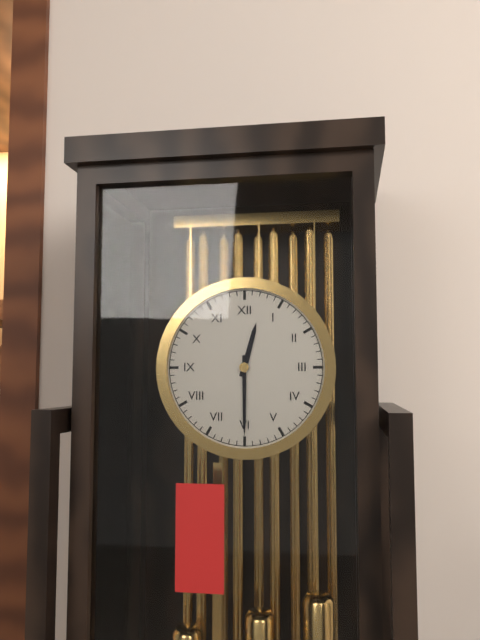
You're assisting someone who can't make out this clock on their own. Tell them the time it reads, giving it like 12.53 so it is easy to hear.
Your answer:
12.30
